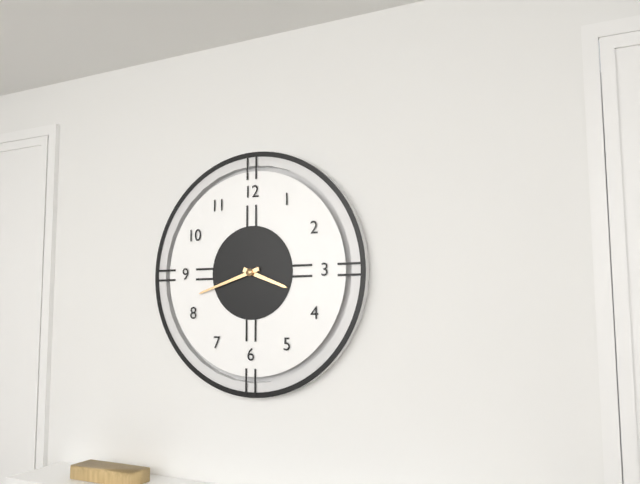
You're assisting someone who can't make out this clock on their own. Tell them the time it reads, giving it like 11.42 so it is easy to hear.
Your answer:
3.42
